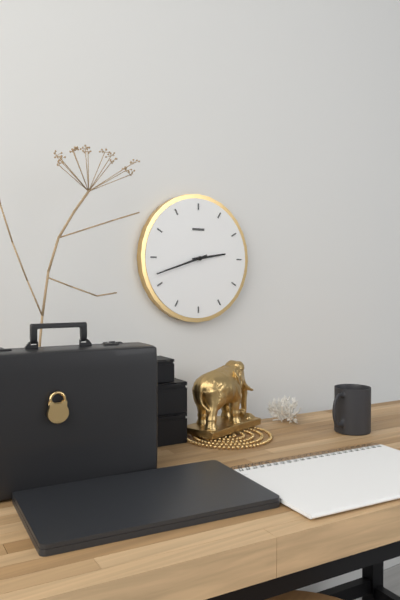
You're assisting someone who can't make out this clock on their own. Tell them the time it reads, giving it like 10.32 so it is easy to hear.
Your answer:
2.42
